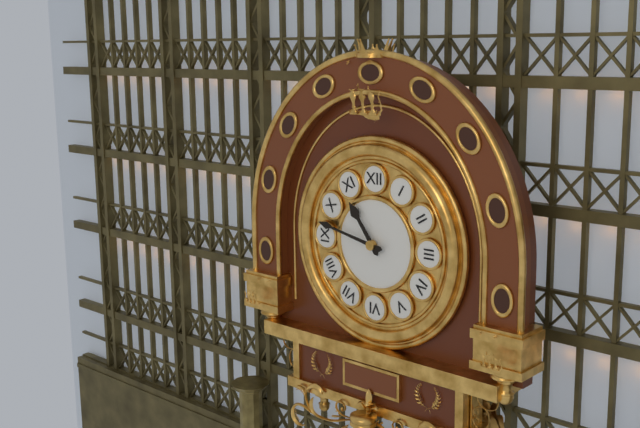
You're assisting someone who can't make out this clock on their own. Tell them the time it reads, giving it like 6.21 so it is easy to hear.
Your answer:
10.47
